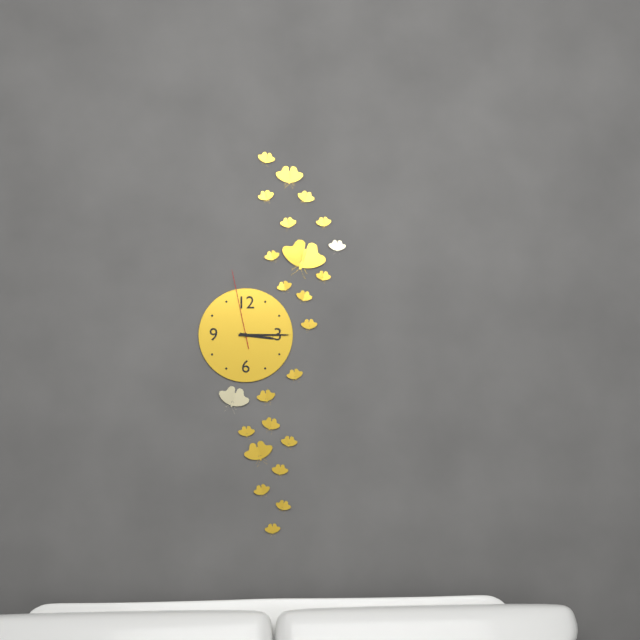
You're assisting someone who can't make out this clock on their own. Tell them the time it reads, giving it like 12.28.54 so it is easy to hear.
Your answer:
3.15.58
